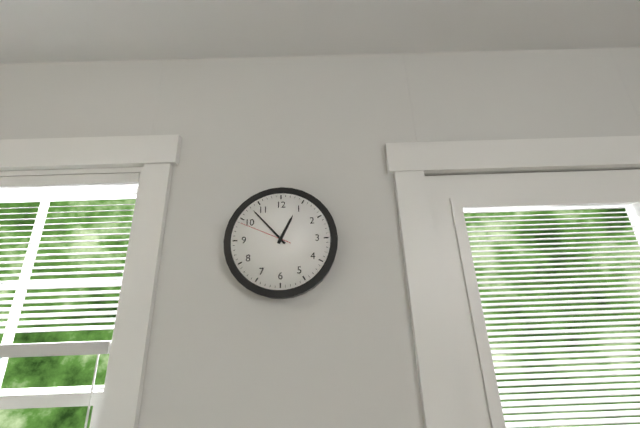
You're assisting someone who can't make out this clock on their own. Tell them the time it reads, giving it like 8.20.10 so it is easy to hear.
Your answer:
12.53.49
